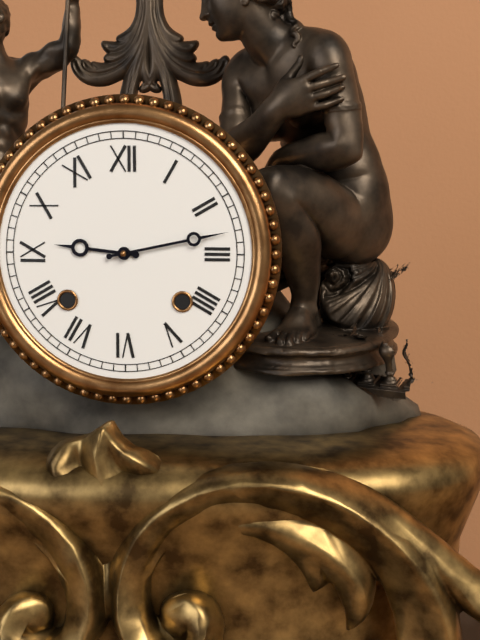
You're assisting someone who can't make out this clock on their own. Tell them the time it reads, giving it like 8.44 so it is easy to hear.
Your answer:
9.13
